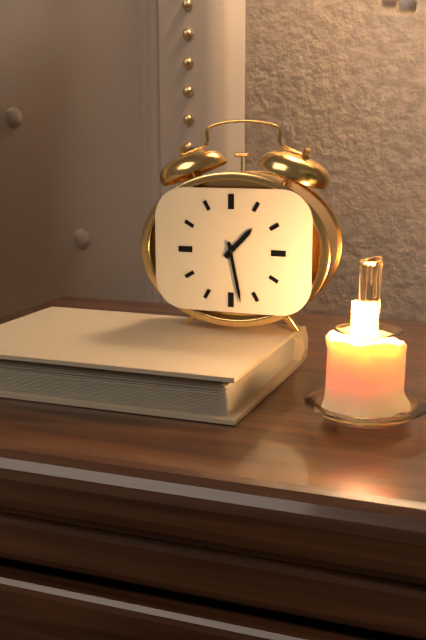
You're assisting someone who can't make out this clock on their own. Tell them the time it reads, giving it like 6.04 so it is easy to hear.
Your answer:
1.28
